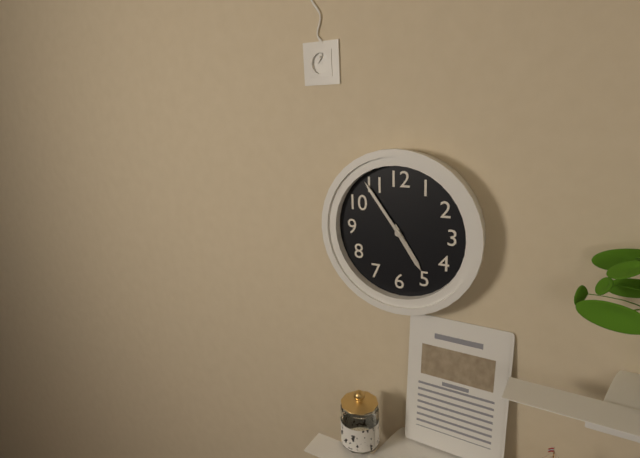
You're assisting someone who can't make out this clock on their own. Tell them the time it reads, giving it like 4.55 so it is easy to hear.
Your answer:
4.54
